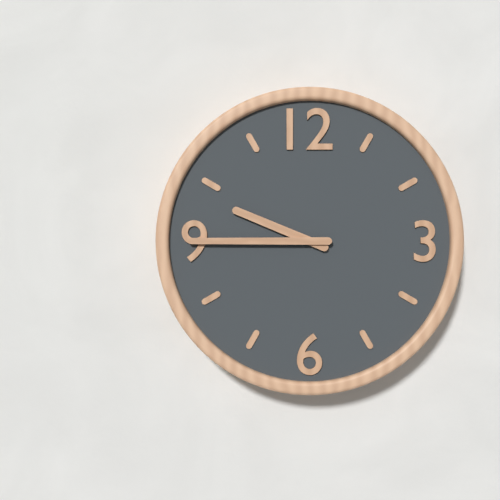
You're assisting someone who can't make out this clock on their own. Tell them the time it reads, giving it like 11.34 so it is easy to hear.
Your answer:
9.45
